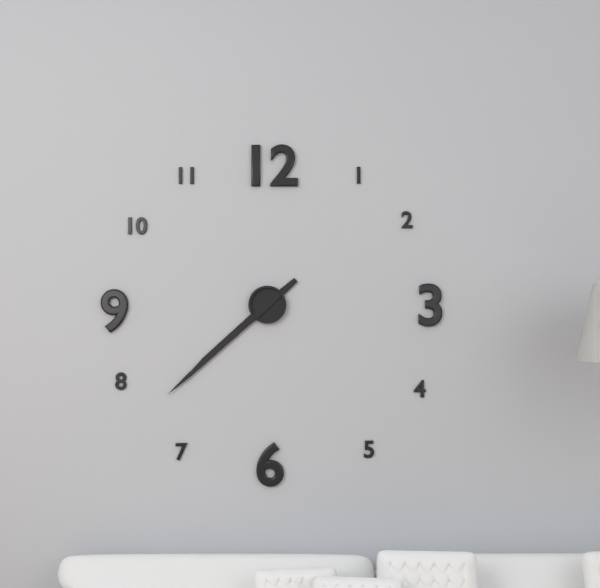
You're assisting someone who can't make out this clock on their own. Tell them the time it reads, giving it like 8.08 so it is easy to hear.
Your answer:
7.38
